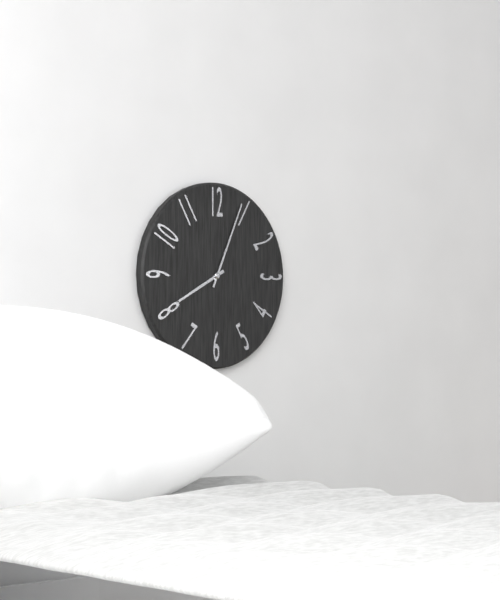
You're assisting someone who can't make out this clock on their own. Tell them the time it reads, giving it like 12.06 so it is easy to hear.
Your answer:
8.04
